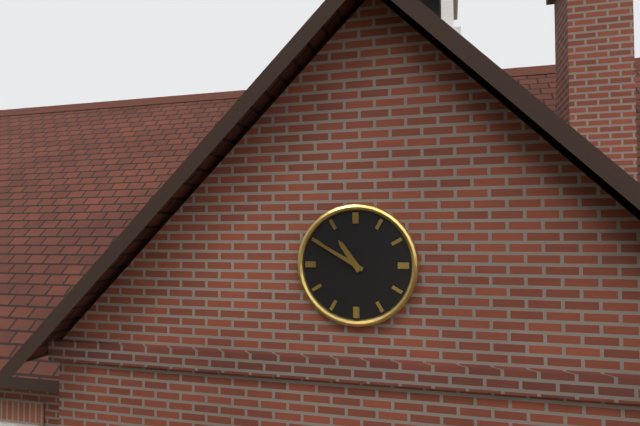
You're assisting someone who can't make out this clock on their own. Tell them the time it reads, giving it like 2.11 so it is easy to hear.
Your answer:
10.50
